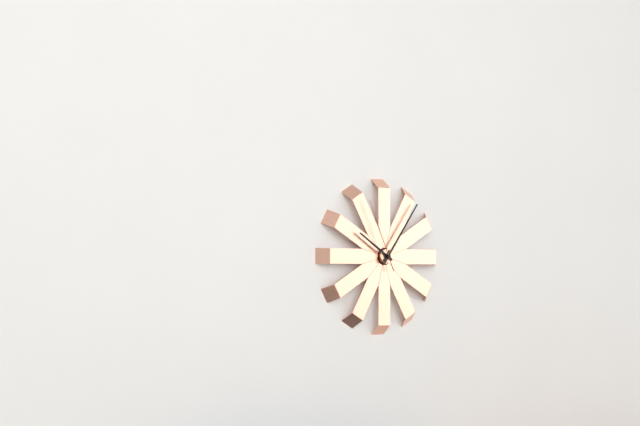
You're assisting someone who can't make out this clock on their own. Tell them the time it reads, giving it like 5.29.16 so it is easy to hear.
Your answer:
10.06.56
